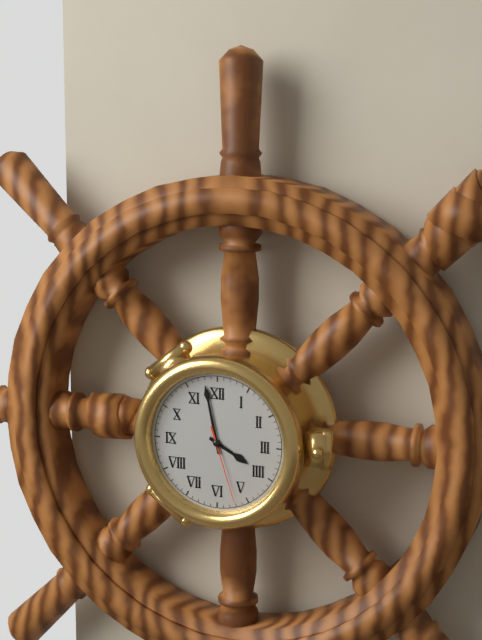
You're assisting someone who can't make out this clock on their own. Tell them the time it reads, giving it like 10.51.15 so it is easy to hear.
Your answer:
3.58.27
